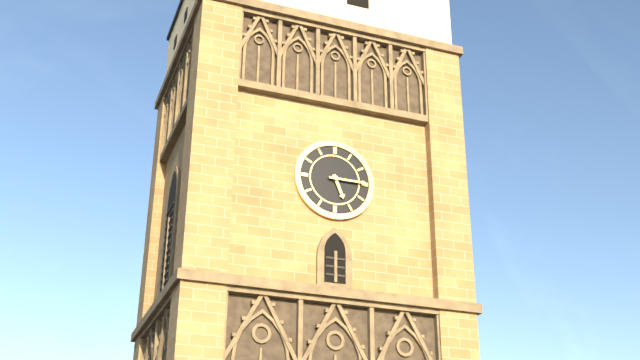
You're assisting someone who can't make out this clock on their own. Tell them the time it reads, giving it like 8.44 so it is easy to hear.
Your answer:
5.15
